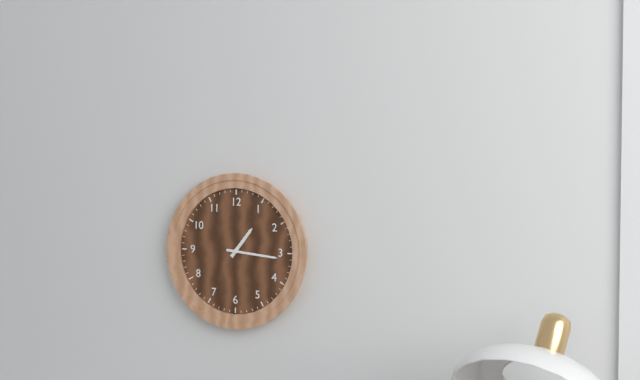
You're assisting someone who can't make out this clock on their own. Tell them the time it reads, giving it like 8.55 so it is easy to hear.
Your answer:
1.16
